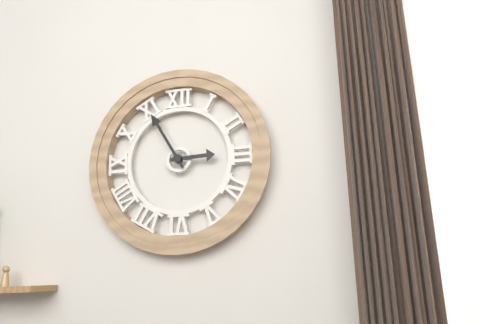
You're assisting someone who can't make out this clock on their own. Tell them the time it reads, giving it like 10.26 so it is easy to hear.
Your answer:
2.55
